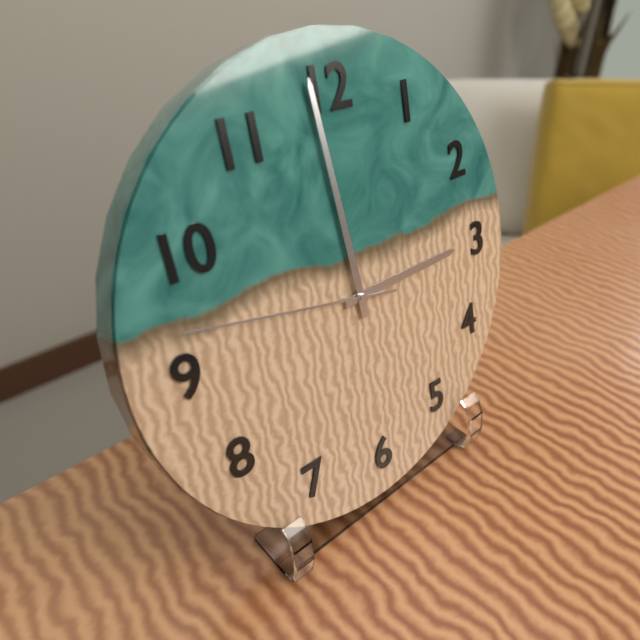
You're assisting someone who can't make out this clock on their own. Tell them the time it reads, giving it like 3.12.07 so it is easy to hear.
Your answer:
2.59.47
